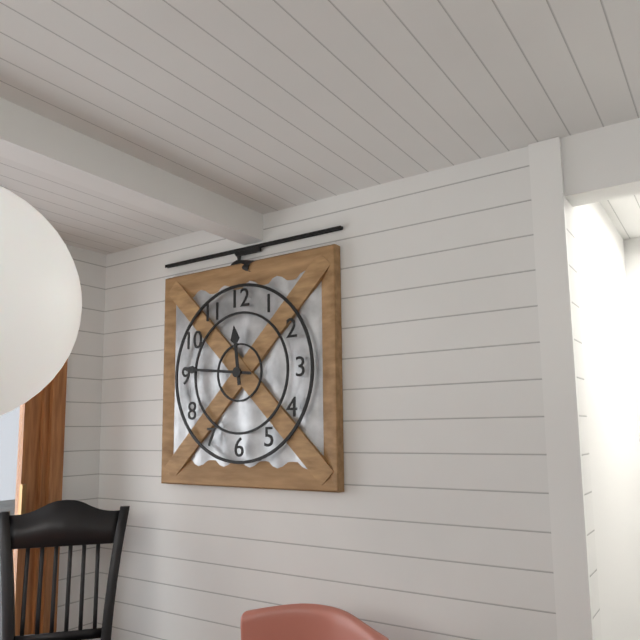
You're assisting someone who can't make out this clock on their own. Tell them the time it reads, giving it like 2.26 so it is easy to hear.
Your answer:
11.46
